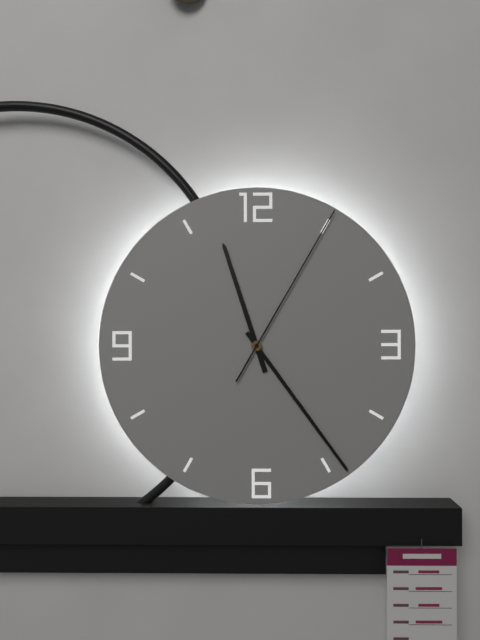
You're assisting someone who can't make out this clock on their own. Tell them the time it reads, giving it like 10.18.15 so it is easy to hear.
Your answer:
11.24.05
